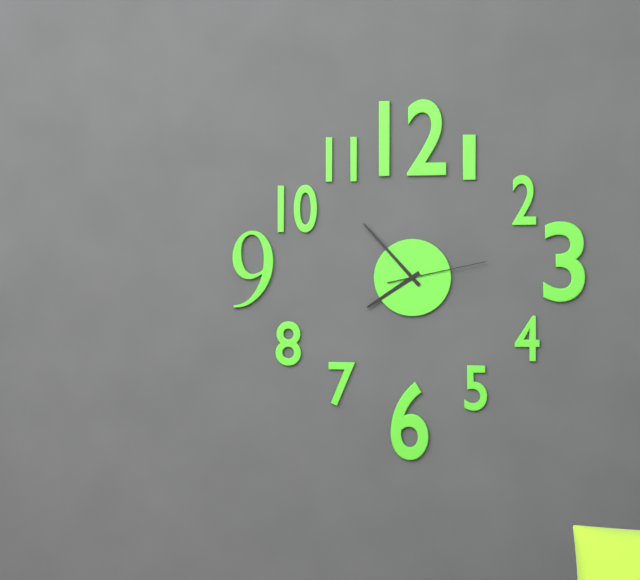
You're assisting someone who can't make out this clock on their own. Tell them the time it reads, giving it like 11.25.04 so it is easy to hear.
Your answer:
7.53.13
